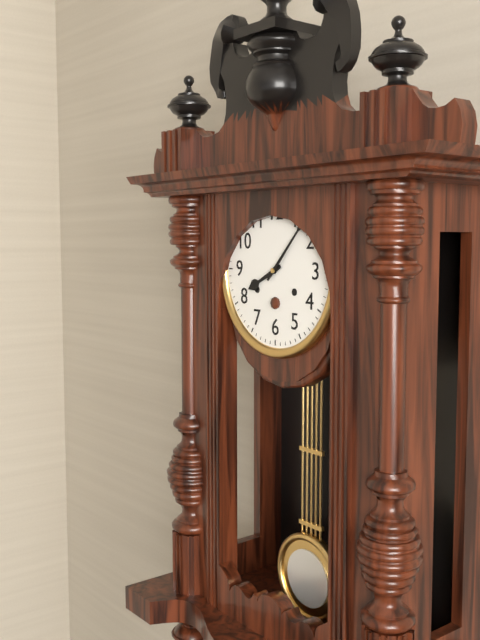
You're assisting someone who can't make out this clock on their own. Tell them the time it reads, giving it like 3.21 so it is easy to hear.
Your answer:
8.07
